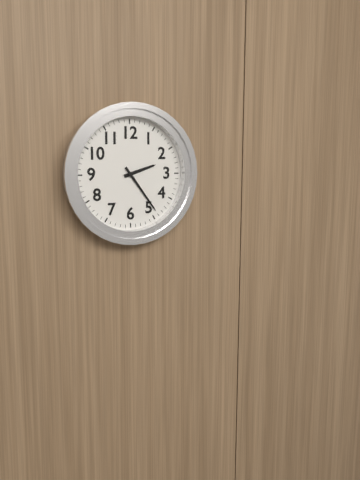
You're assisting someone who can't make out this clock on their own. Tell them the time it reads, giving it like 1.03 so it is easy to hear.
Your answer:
2.24
